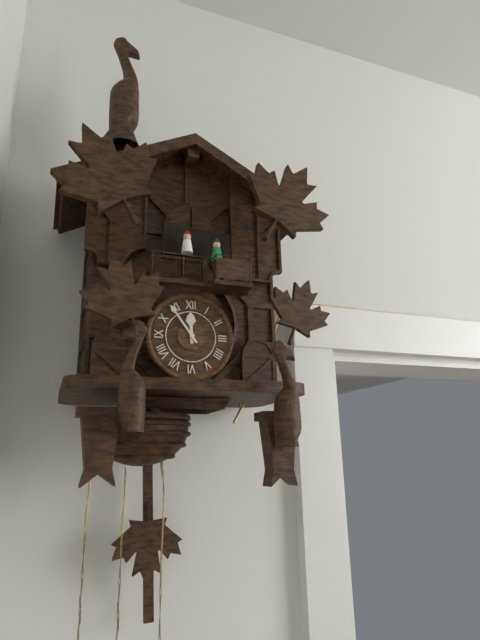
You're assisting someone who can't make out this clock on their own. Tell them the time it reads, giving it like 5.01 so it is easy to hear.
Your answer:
11.54
